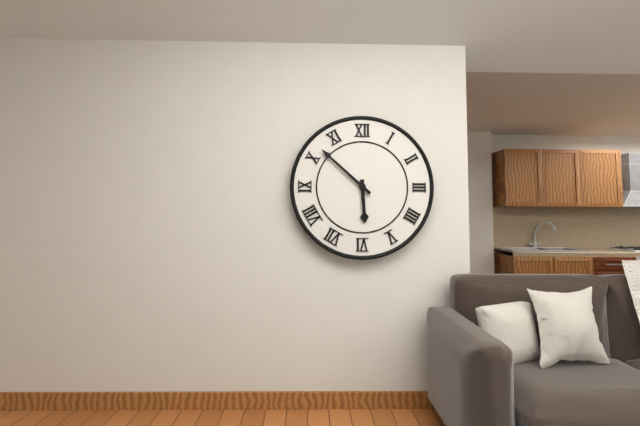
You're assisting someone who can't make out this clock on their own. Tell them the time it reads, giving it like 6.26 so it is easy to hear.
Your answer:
5.52
